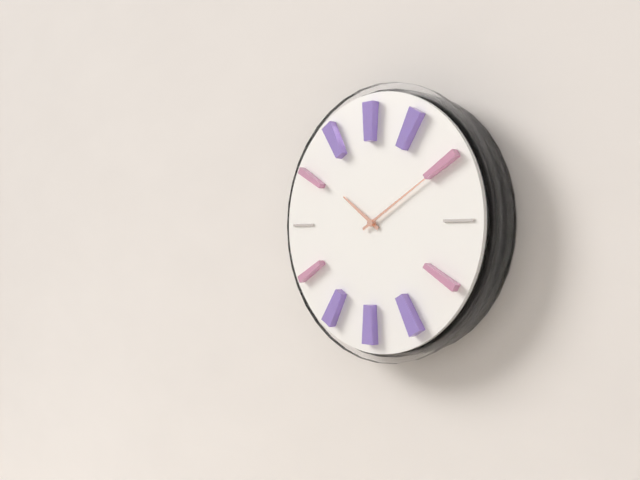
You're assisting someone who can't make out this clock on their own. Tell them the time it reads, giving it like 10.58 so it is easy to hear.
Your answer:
10.10
